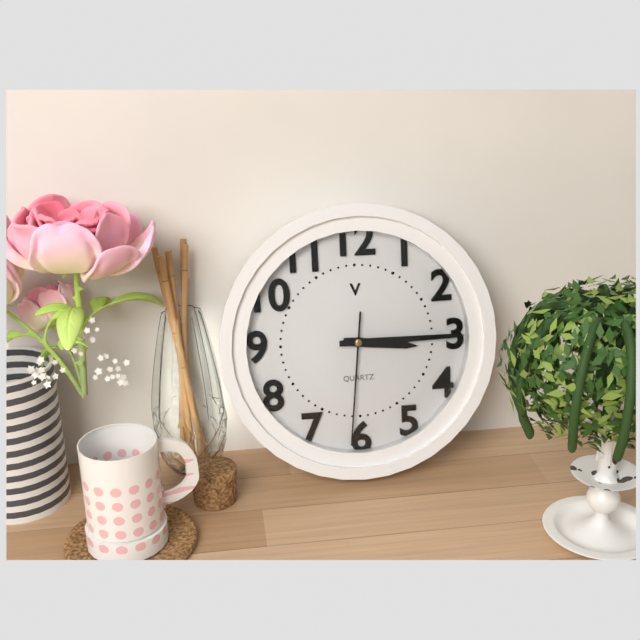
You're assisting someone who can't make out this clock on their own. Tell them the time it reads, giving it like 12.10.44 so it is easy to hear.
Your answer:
3.15.31
